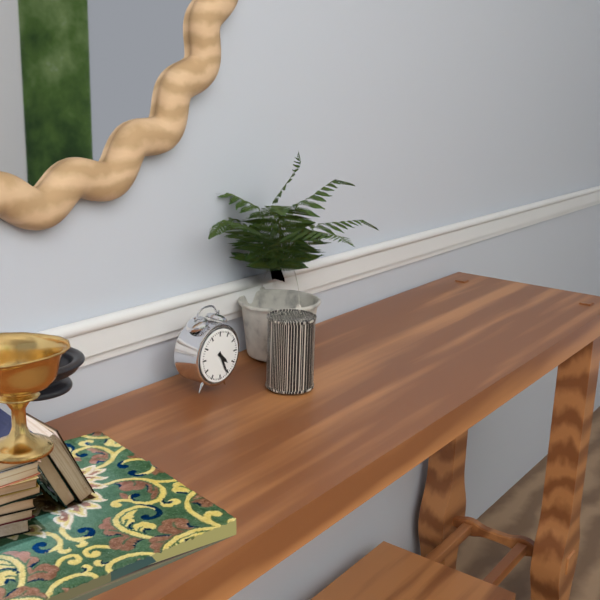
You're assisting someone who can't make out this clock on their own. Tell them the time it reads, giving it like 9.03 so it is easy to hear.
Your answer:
4.26
